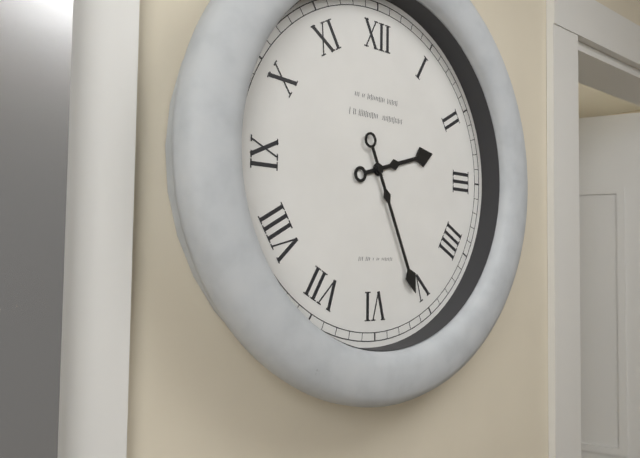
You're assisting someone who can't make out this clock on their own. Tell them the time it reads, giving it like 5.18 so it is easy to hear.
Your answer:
2.26
